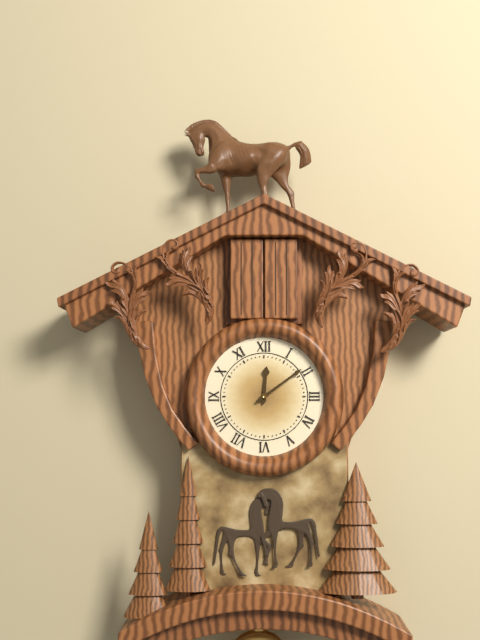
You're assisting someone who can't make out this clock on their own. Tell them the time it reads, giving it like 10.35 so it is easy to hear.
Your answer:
12.09
